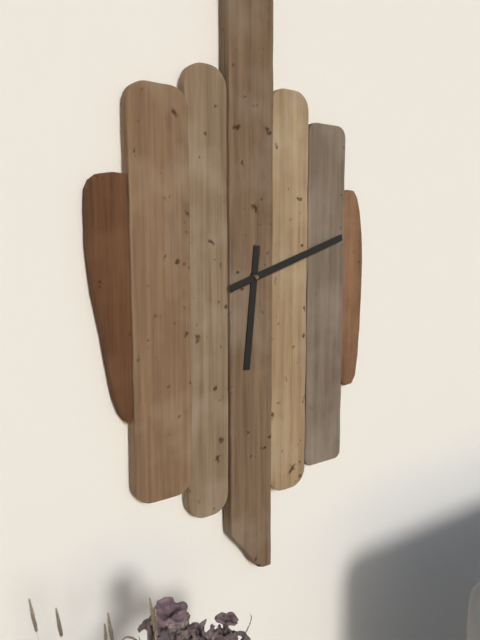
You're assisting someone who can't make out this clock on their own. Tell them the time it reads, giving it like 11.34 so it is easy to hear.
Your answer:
6.12
